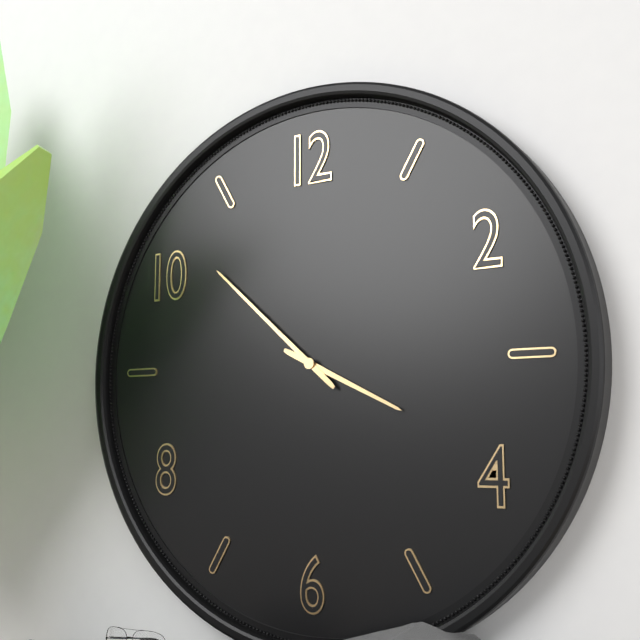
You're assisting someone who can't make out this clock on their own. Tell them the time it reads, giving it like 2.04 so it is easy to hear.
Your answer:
3.52
